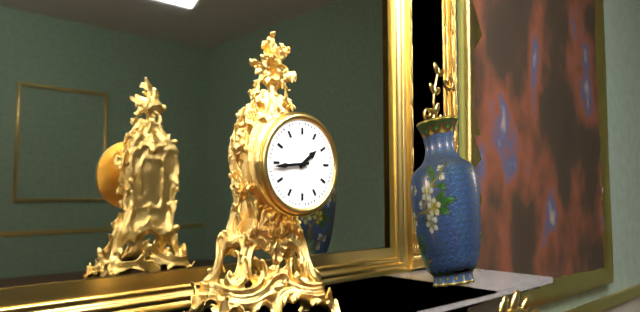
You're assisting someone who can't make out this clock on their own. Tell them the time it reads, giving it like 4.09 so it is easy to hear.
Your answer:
1.44
